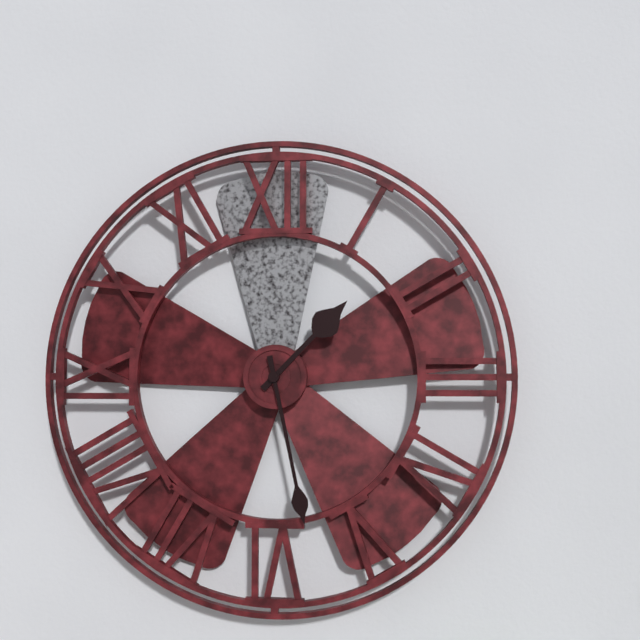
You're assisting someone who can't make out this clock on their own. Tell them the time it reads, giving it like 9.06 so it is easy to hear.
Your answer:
1.28
